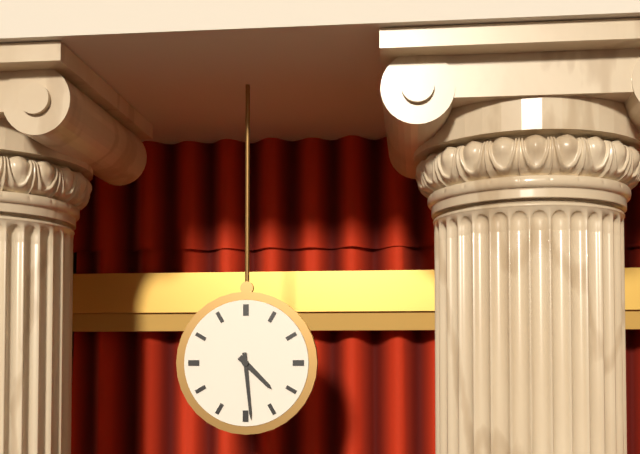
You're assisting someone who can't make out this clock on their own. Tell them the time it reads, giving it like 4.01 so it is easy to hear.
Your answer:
4.29
